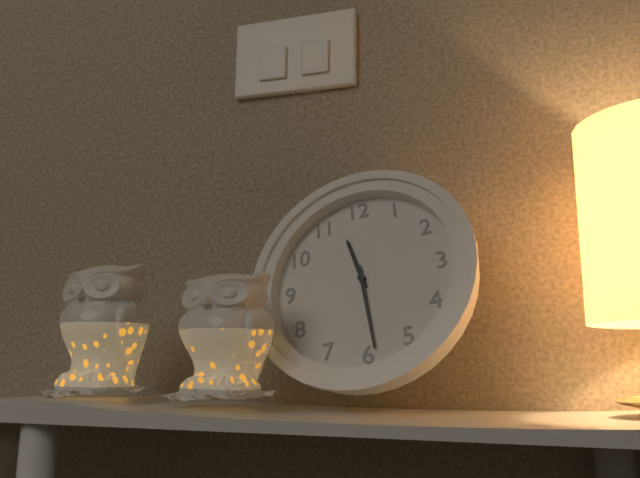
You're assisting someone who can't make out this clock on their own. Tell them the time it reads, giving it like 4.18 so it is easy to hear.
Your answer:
11.29
